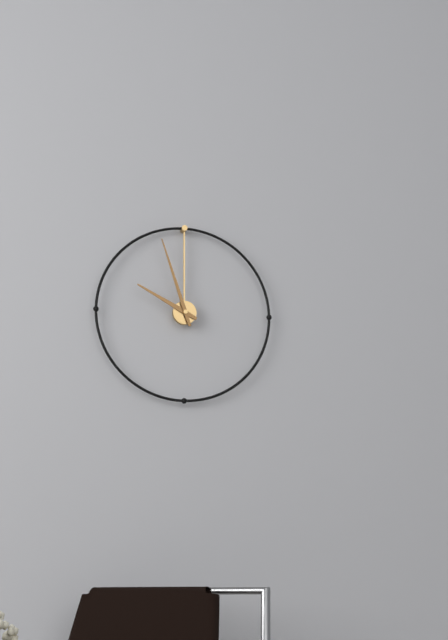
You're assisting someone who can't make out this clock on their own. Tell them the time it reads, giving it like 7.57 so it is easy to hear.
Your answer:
9.57
